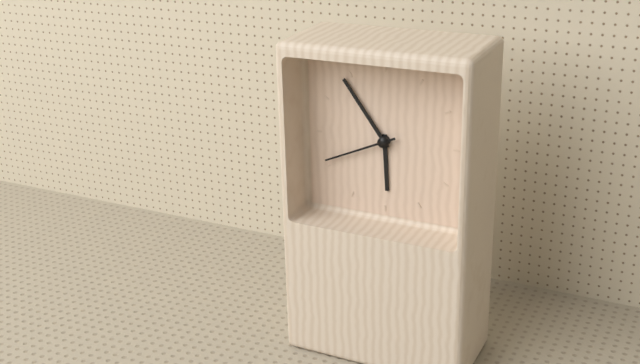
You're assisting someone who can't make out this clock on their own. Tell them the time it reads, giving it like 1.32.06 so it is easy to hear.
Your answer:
5.54.41
